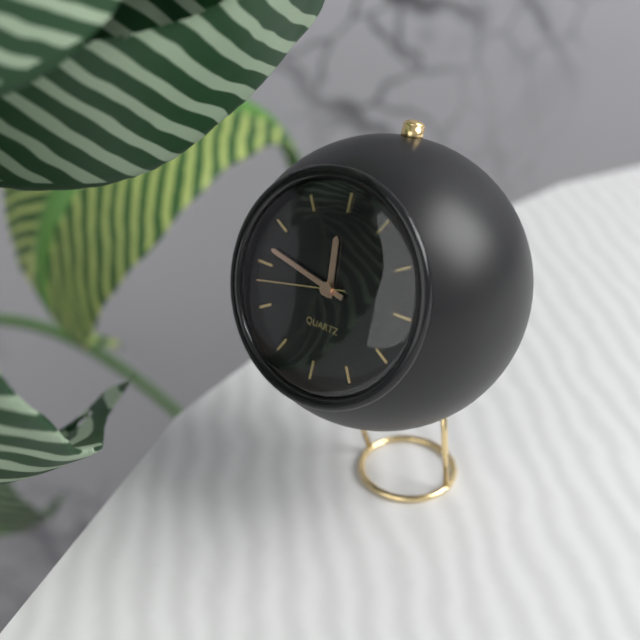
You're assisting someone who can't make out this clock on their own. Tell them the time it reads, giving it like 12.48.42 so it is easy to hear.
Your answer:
11.47.43
